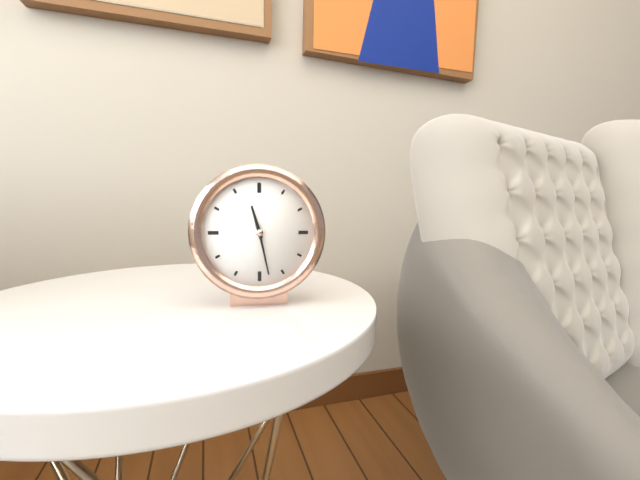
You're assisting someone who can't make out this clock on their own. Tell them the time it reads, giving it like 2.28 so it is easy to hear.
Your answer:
11.28
